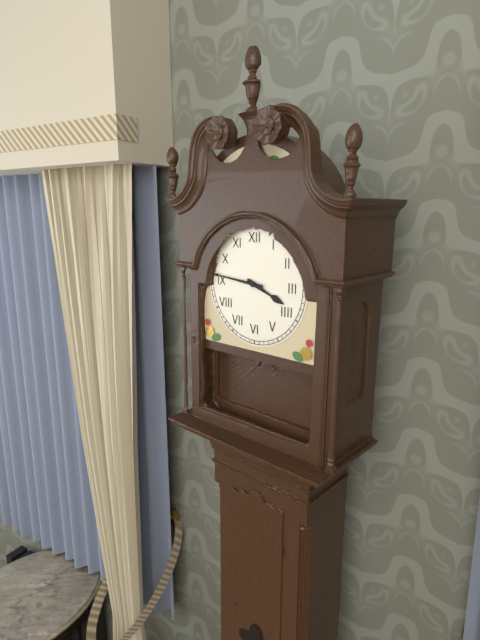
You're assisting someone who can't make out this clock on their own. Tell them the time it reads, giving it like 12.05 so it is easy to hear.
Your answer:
3.46
